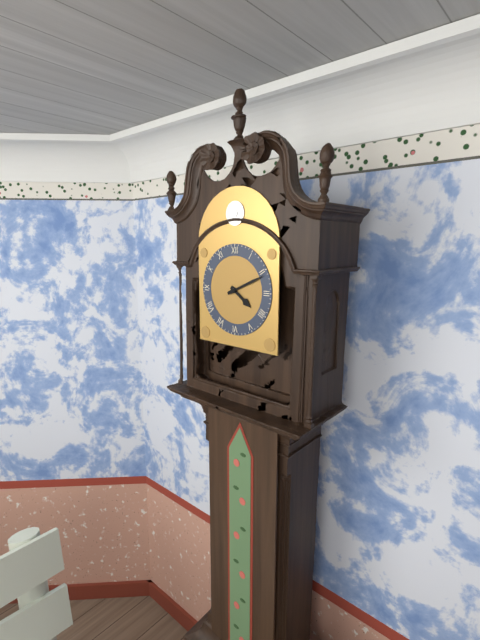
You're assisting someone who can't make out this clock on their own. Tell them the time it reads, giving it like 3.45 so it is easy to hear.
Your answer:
4.11
